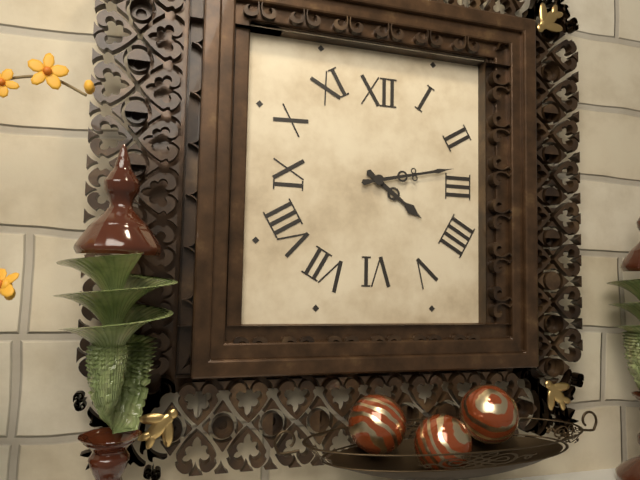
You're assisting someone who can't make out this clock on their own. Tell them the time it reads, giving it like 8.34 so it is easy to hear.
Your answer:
4.13
